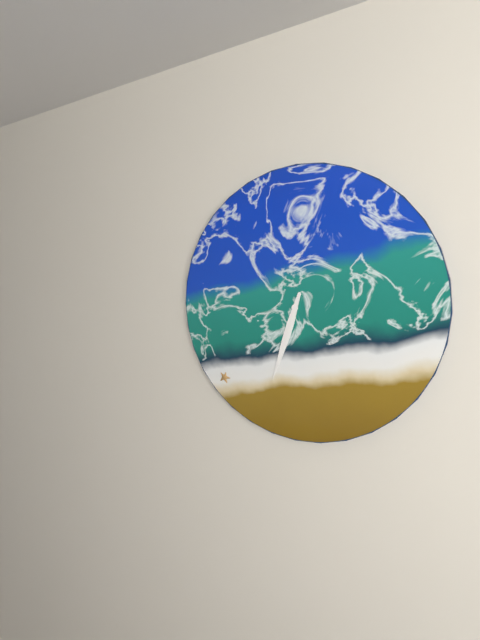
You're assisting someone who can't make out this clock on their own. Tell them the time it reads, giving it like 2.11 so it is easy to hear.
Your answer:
6.33
